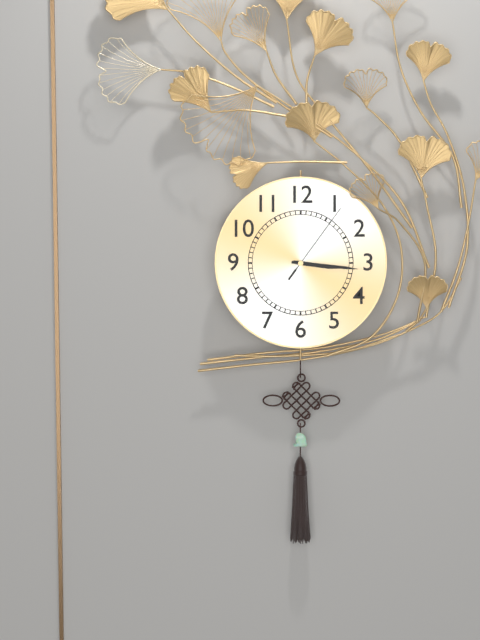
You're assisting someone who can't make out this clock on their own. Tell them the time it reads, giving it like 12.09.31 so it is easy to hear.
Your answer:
3.16.06
